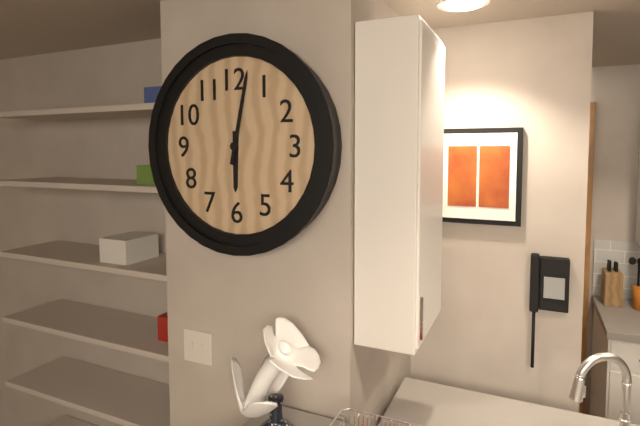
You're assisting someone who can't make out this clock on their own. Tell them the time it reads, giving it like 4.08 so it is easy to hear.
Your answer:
6.02
